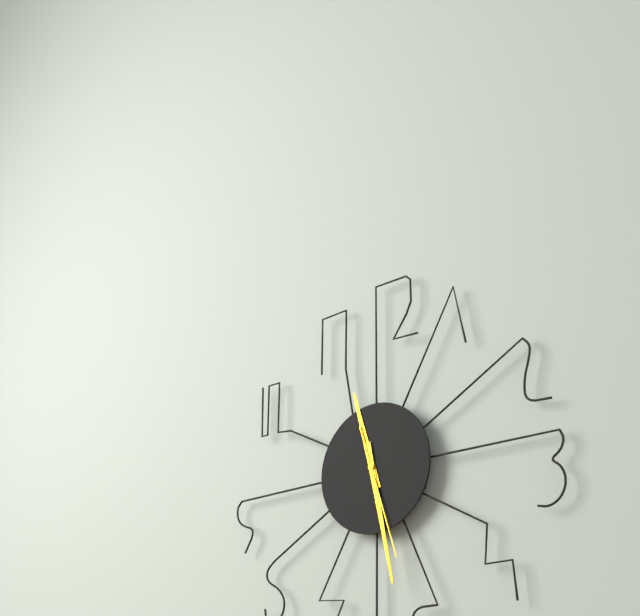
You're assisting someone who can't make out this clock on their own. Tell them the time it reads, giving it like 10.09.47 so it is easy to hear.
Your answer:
11.28.27
